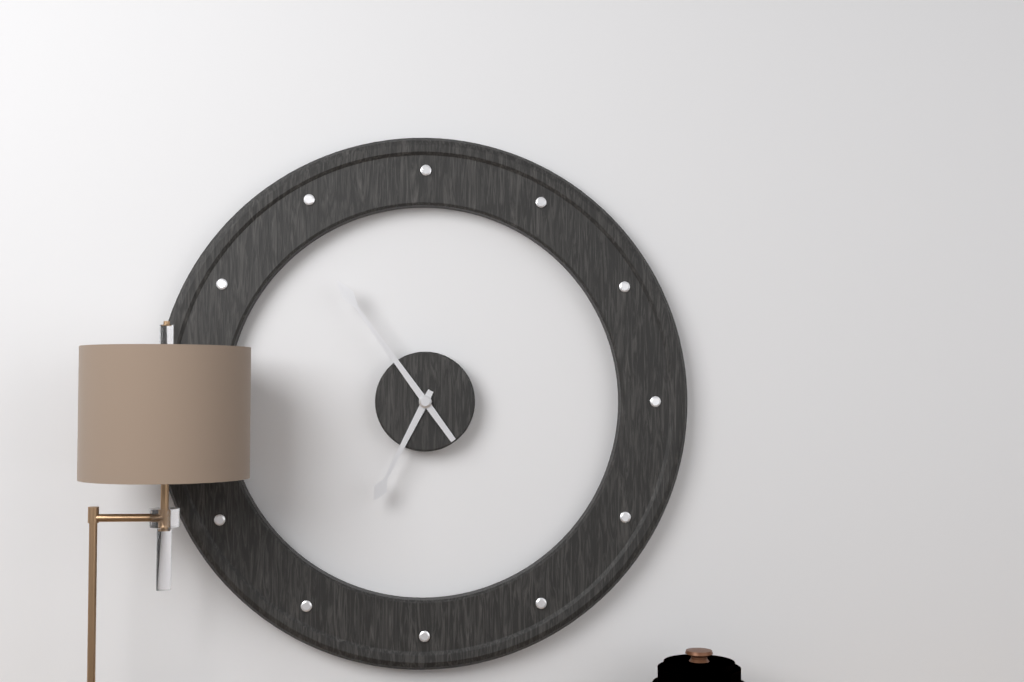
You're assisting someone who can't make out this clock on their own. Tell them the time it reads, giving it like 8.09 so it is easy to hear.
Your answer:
6.54
